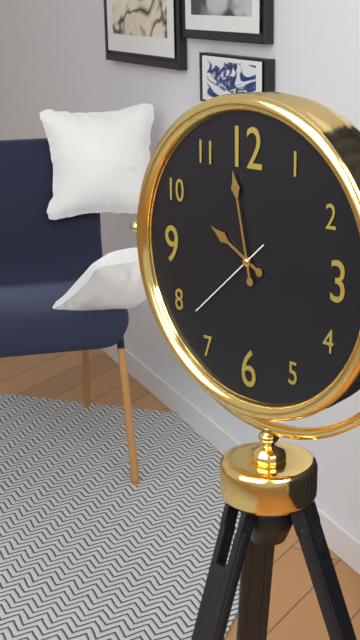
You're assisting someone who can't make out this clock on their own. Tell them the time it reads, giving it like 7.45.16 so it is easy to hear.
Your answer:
9.58.38
